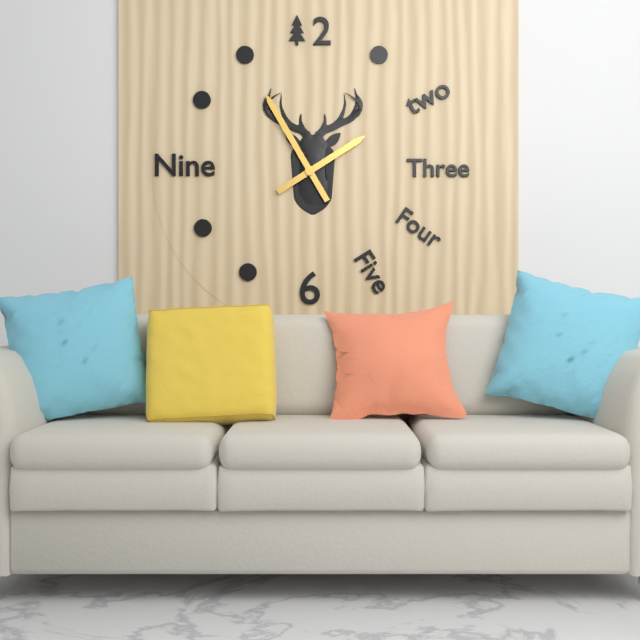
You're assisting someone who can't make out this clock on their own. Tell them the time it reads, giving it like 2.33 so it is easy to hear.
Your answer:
1.55
